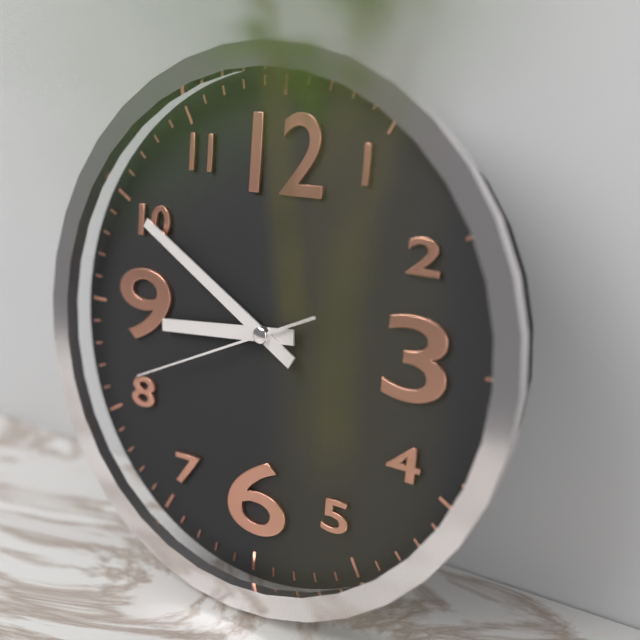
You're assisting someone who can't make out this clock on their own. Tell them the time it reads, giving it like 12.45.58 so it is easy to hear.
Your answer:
8.50.41
